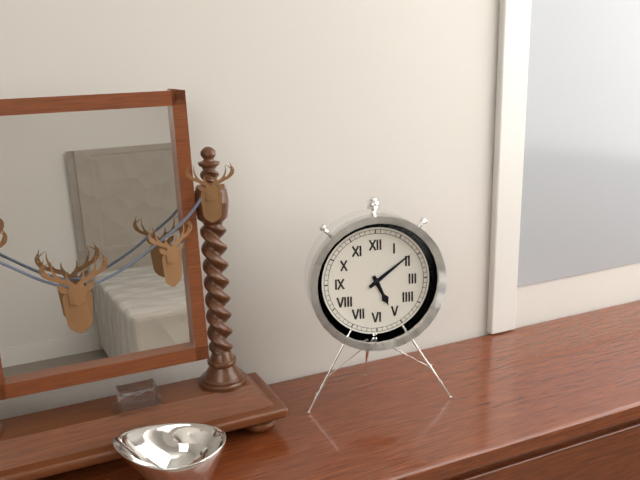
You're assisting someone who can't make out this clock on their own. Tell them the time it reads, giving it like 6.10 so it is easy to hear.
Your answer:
5.09
